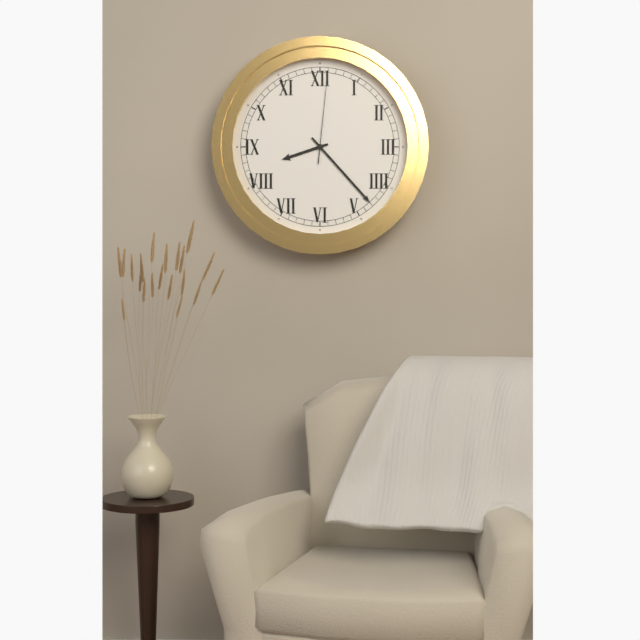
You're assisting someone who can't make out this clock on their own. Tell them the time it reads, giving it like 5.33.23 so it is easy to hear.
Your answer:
8.23.01
